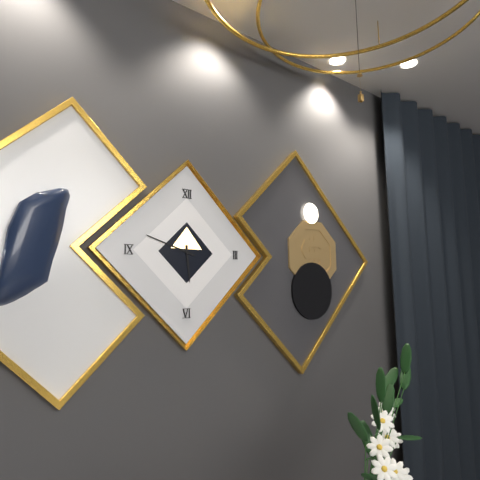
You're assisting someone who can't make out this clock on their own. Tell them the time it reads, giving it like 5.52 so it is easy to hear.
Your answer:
5.48
